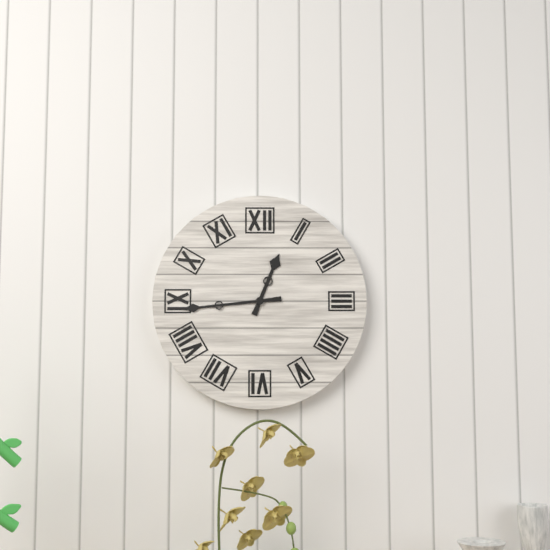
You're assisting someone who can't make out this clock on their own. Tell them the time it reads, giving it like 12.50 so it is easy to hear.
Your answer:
12.44
